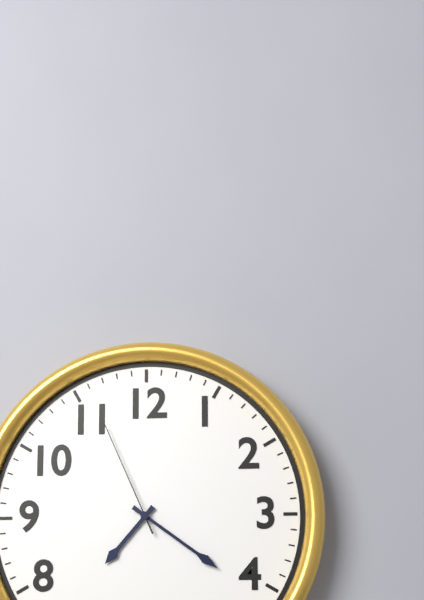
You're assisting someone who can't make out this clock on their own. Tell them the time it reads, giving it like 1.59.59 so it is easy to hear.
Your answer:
7.21.56
